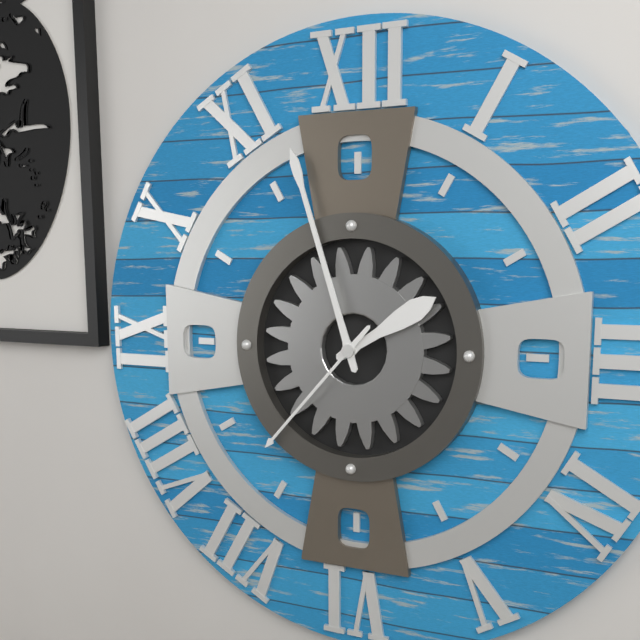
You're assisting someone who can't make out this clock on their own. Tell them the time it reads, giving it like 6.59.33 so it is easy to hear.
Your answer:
1.57.37
